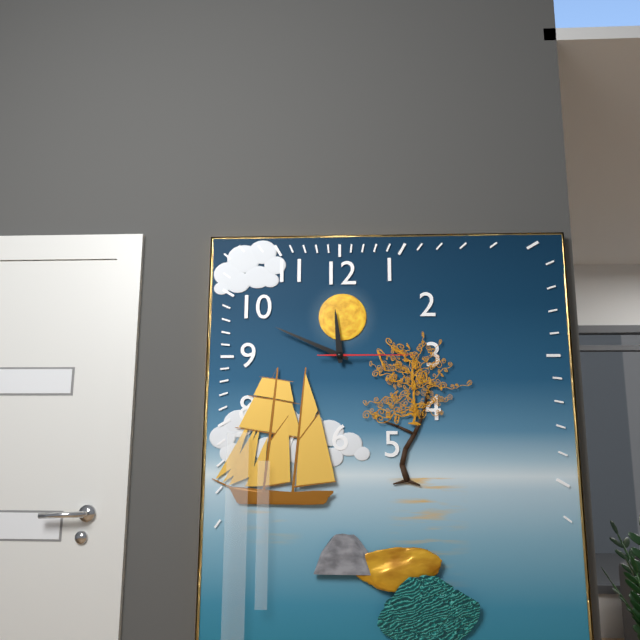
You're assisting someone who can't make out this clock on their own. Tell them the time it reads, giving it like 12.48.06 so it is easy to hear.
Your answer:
11.49.15
